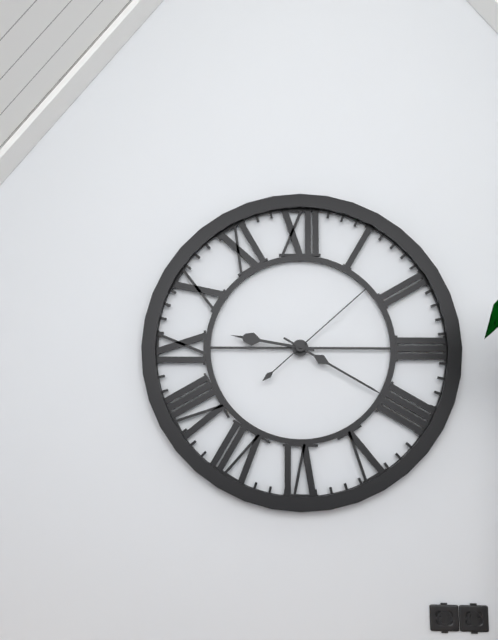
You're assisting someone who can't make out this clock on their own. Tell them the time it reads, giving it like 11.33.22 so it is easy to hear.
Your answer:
9.20.08
